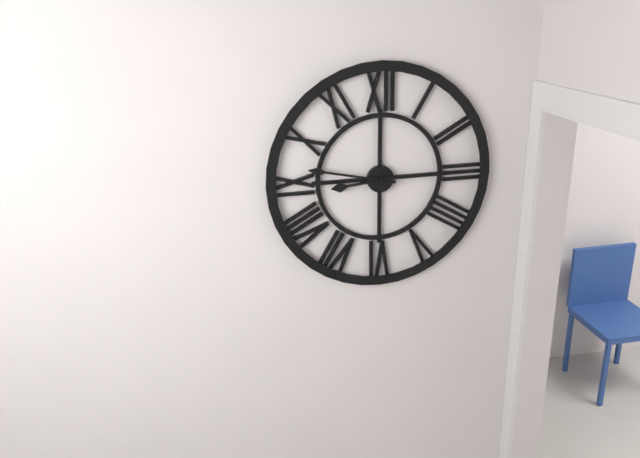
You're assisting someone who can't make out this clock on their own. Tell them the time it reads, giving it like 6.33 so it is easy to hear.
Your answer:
8.47
